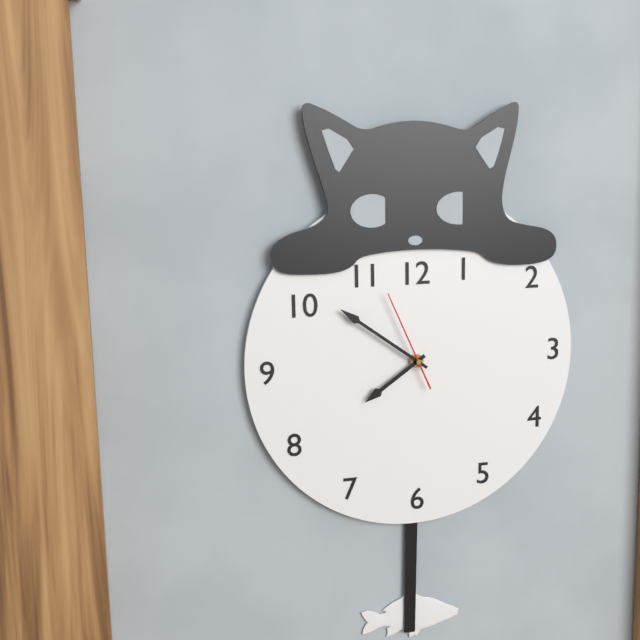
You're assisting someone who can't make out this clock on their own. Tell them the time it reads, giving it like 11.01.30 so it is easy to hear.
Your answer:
7.51.56
